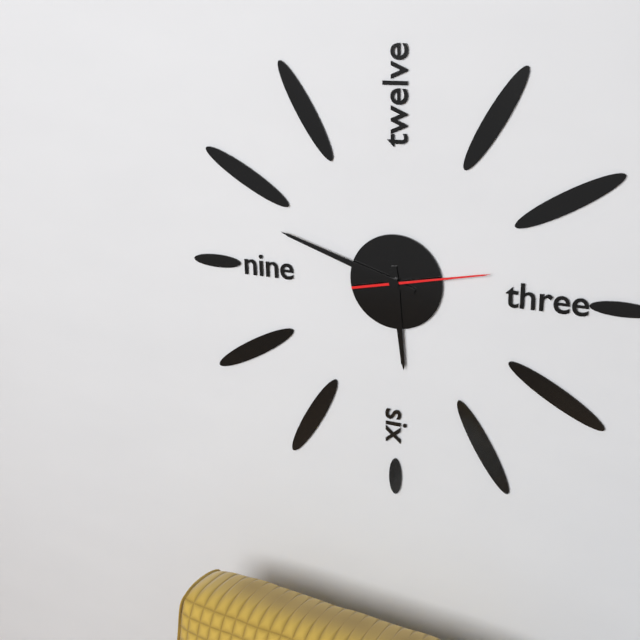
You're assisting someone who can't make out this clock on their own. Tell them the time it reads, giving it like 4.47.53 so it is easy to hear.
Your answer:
5.48.13
